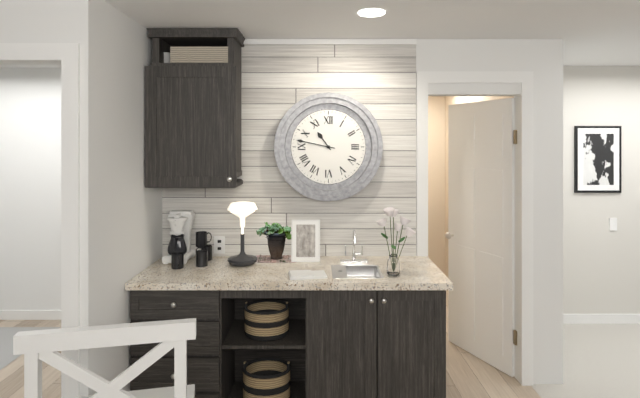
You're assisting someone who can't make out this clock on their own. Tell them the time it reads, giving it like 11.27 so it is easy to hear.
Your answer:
10.47
